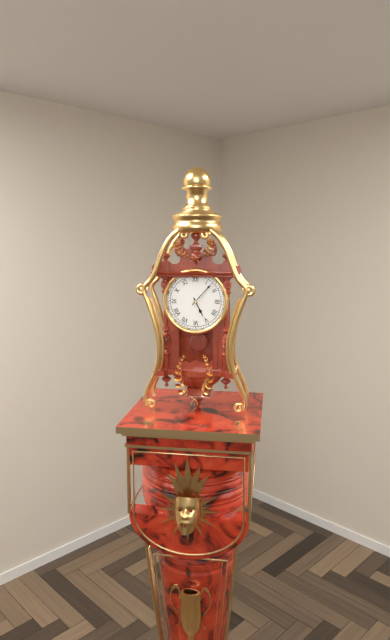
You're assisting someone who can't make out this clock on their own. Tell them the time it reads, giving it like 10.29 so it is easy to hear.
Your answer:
5.07
